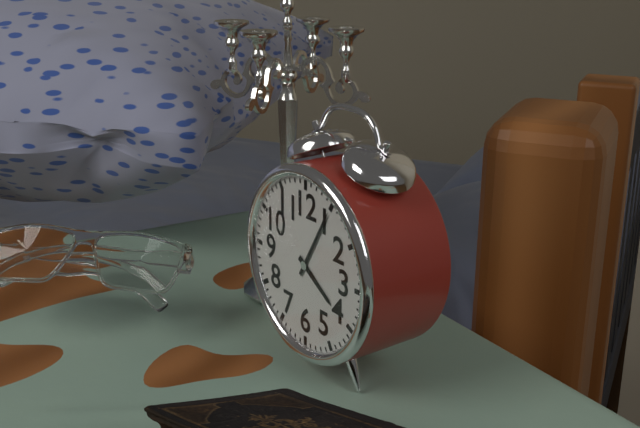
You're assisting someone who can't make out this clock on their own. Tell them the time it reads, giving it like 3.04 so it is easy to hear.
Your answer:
4.05
